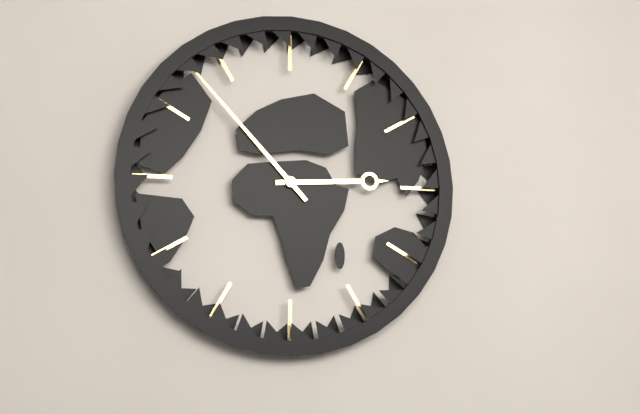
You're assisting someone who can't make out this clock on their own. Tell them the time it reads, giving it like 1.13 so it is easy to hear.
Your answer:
2.53
